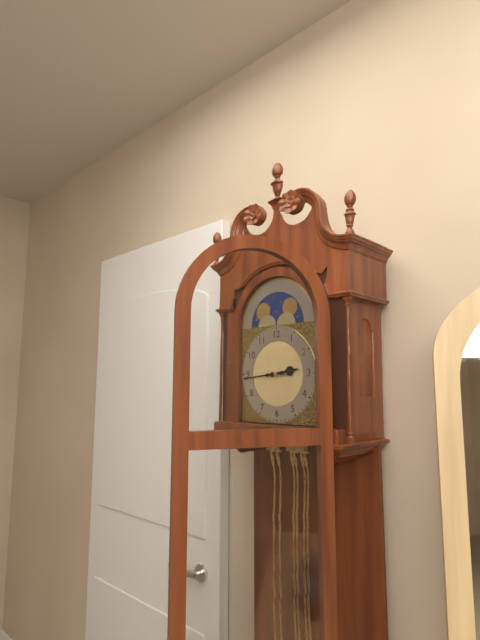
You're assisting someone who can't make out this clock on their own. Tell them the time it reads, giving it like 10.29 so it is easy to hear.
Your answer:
2.44
